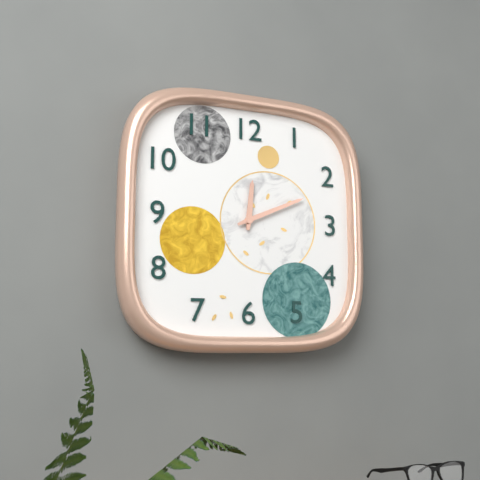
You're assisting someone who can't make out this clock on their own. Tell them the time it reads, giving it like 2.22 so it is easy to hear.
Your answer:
12.11
